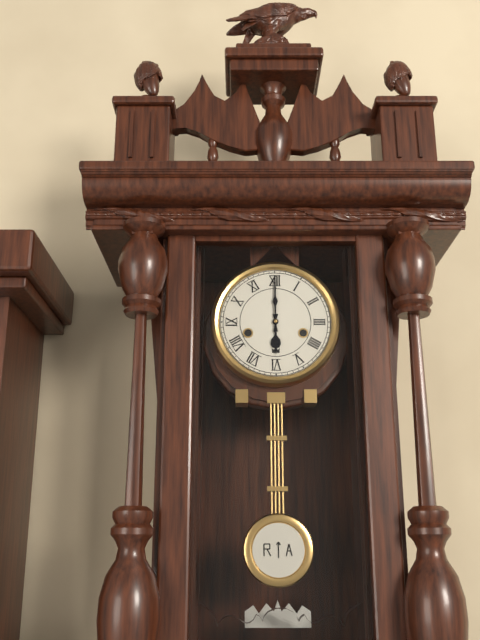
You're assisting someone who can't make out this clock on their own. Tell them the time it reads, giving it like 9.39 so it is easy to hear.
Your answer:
6.00
